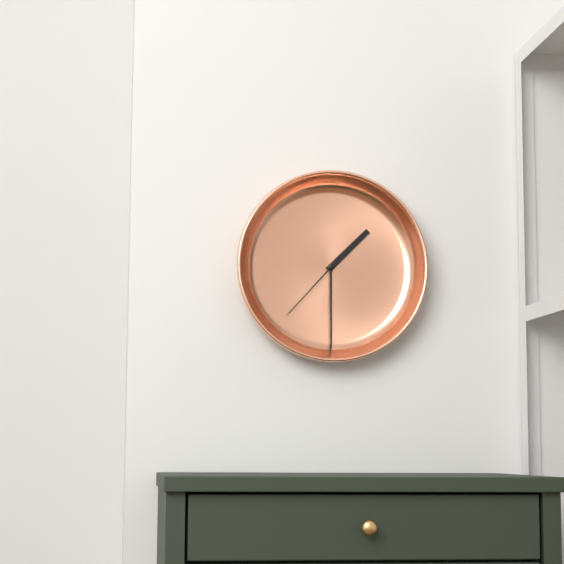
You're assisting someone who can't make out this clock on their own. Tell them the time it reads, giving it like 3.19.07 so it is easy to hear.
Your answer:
1.30.37
